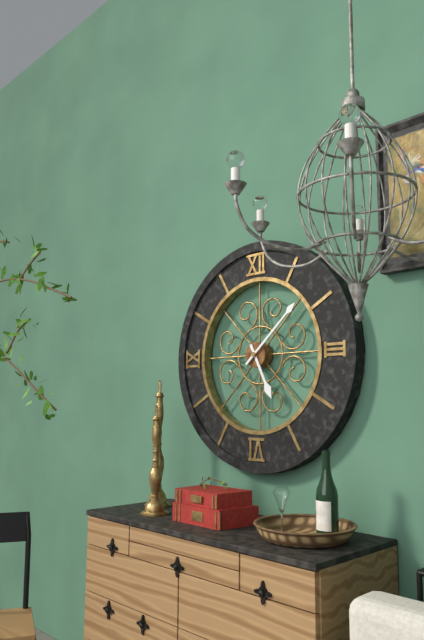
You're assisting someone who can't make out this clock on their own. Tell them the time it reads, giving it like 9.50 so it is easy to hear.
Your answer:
5.08
